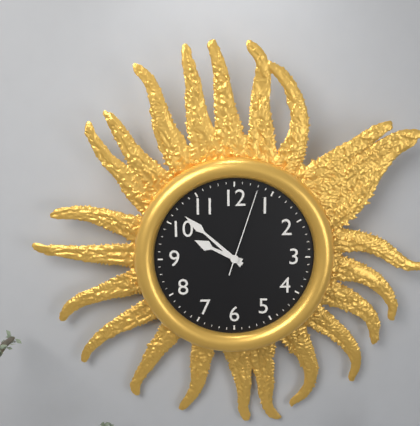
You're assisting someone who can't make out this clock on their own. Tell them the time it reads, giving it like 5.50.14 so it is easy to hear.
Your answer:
9.52.03
